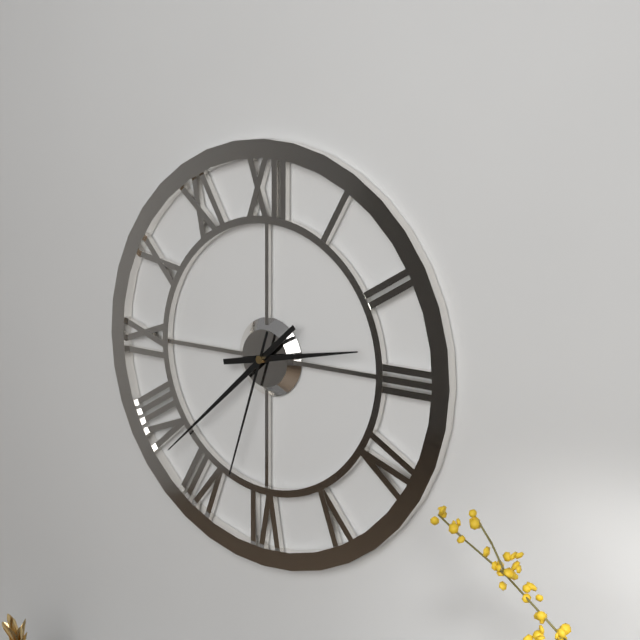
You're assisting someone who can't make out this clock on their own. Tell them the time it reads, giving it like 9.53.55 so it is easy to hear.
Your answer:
2.38.33
